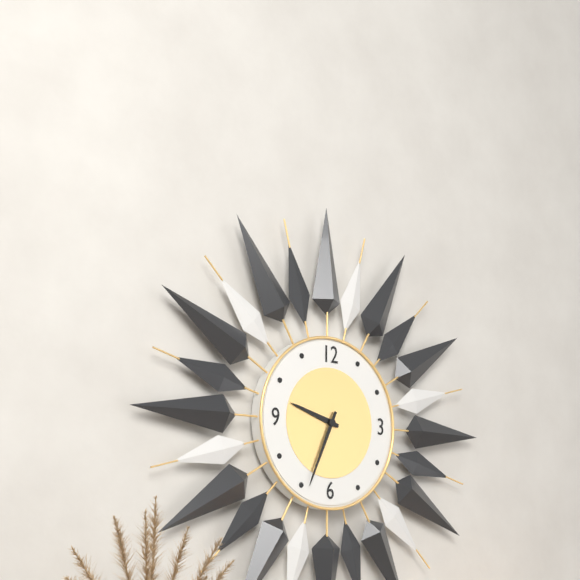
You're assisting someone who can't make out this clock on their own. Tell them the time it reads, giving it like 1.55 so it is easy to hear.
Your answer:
9.34
